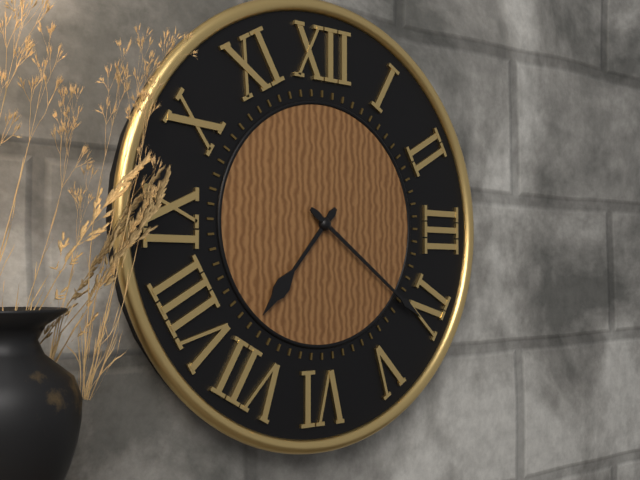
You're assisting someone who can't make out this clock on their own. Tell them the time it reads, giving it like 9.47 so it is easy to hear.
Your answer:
7.21
